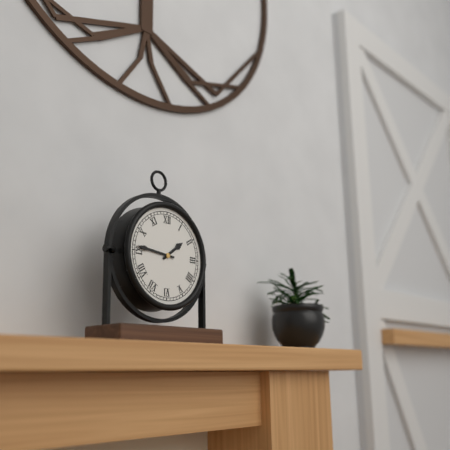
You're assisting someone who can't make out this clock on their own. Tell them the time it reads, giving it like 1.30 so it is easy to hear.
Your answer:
1.46
